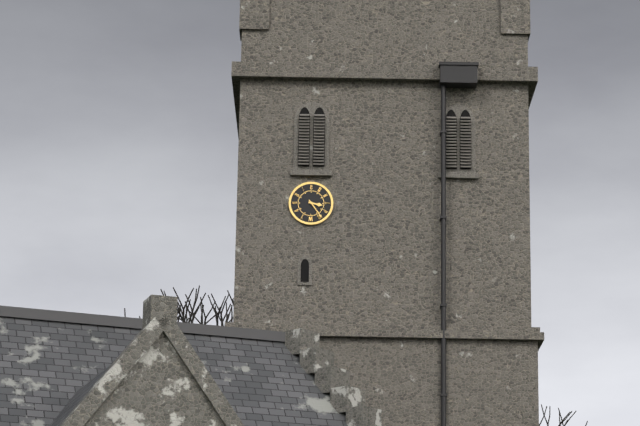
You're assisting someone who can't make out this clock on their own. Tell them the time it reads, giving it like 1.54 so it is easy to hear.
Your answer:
3.24
